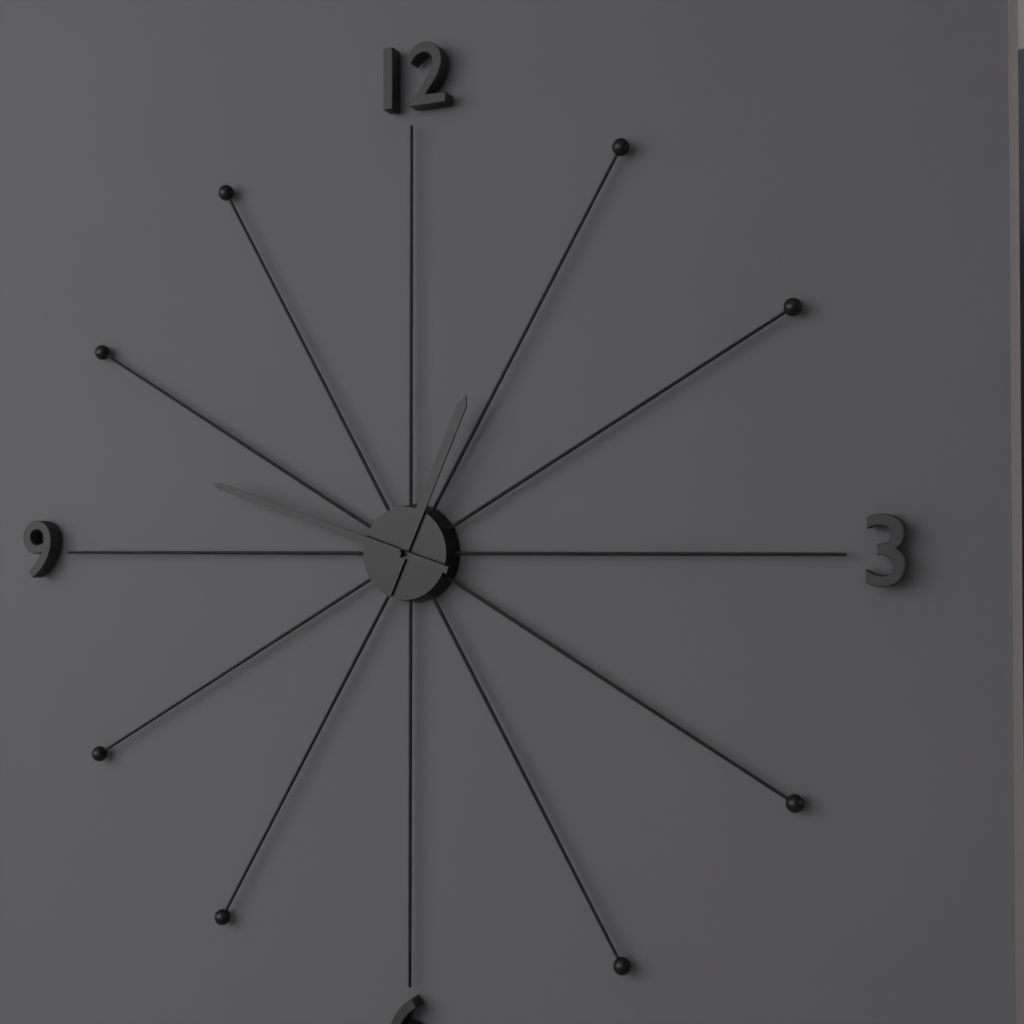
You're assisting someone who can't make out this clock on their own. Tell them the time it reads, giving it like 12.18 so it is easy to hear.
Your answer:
12.48
